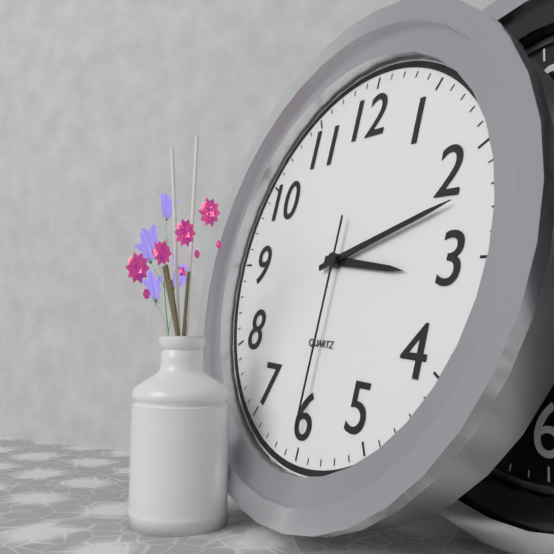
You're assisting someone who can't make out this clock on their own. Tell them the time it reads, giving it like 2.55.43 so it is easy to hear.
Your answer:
3.12.30
